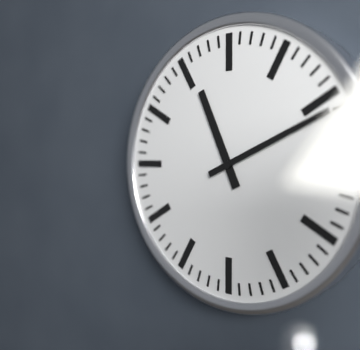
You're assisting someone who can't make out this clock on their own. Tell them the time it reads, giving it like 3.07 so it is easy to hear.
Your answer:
11.11
